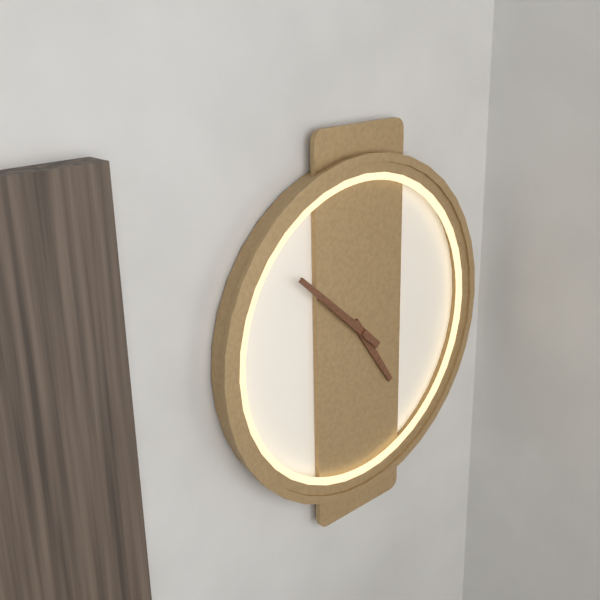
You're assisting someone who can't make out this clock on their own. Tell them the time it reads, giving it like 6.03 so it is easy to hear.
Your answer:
4.52
